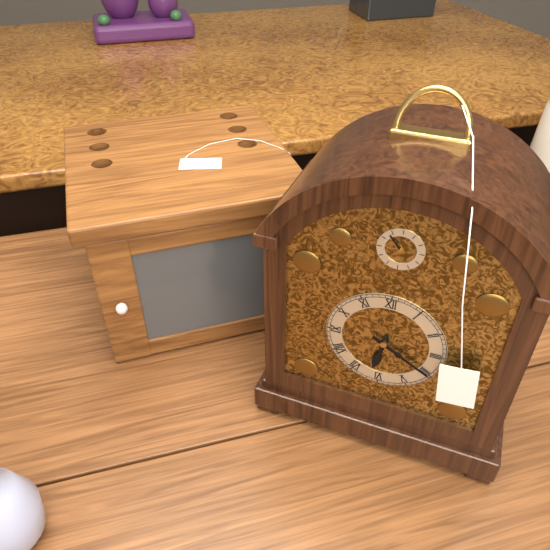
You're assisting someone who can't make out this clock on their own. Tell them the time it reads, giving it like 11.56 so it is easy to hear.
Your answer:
6.20
